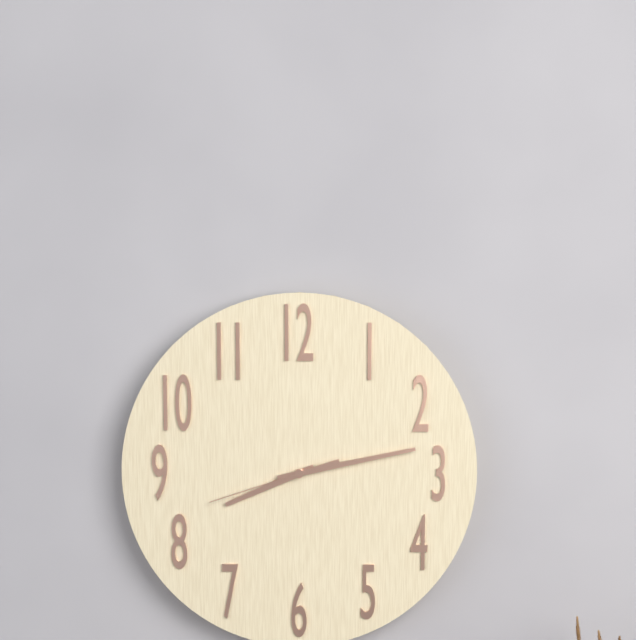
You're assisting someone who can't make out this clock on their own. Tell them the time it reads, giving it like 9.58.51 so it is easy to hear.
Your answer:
8.13.42
